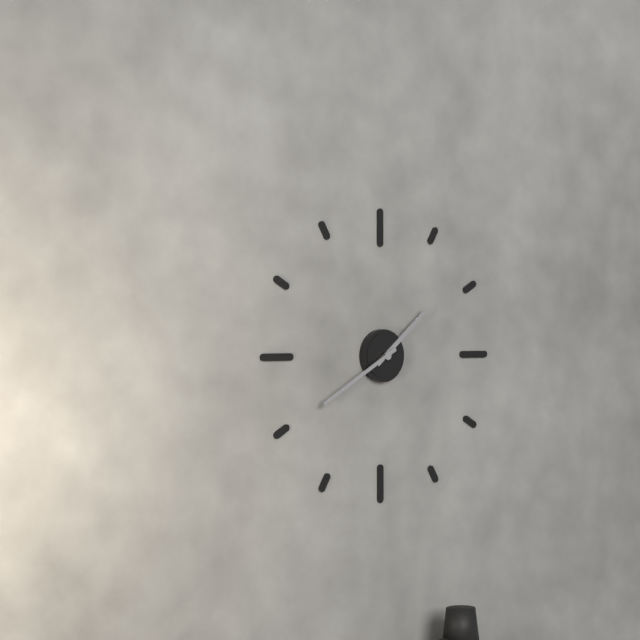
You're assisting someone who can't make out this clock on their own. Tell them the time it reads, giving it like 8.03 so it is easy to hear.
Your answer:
1.40
